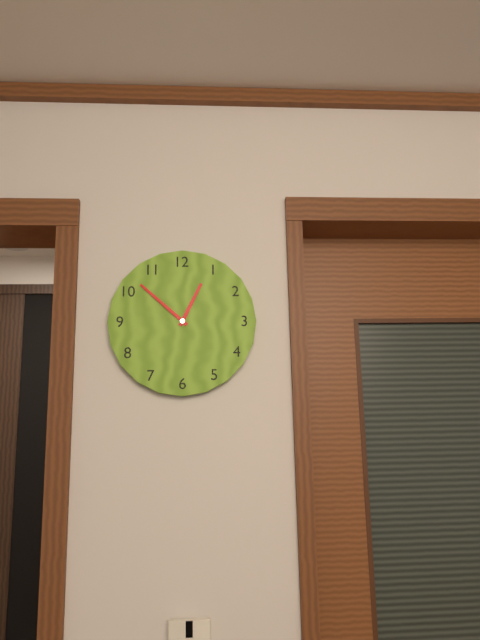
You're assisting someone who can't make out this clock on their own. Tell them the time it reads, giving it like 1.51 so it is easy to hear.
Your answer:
12.52
